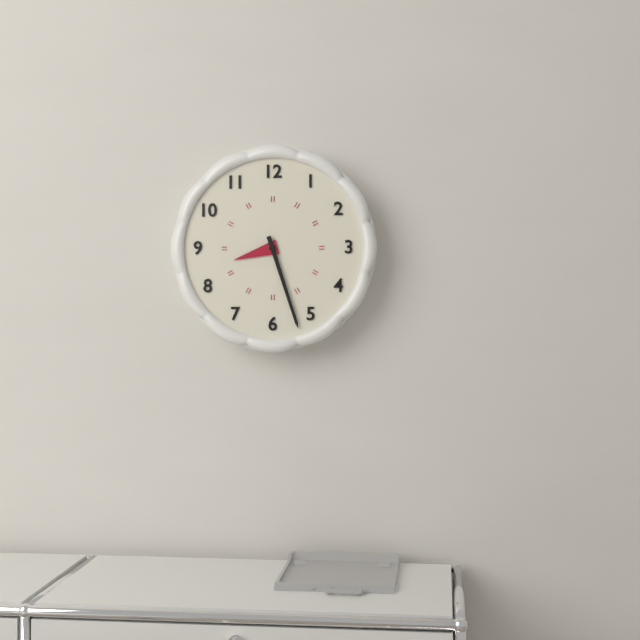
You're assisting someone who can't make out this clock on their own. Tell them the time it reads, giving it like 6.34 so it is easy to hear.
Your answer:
8.27
